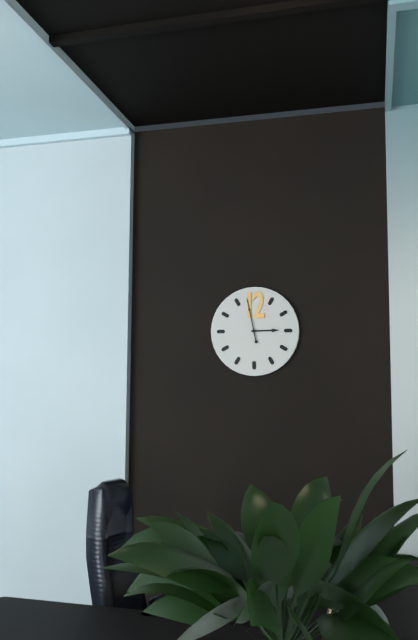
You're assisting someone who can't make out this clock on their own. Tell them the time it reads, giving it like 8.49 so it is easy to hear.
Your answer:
2.58
